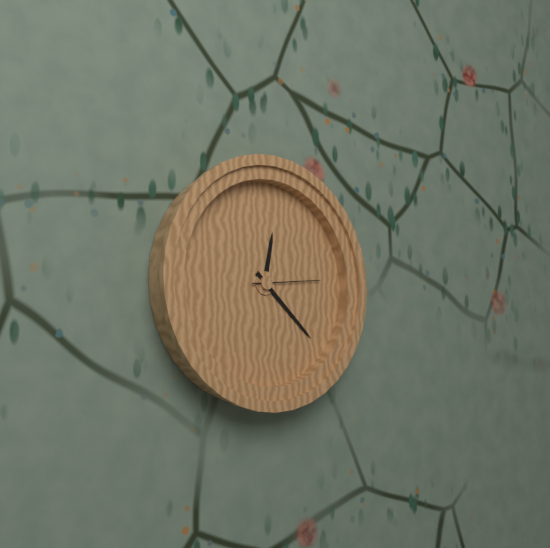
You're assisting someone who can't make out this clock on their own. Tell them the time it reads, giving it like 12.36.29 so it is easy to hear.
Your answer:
12.22.14
